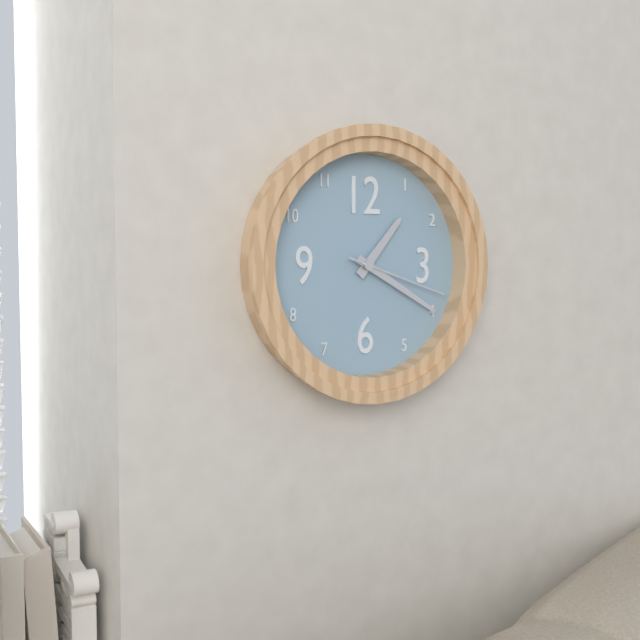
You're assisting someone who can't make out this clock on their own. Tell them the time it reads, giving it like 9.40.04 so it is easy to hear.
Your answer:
1.20.18
